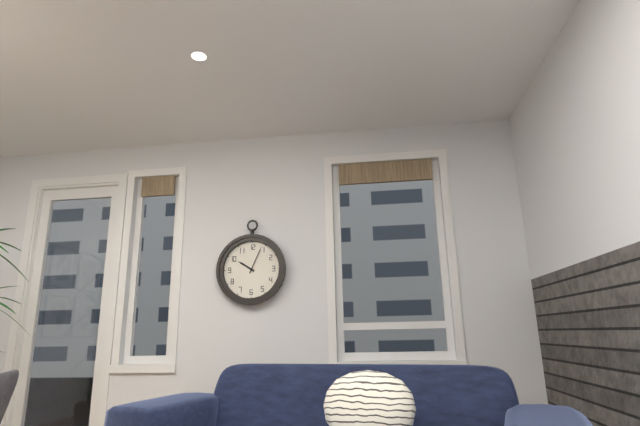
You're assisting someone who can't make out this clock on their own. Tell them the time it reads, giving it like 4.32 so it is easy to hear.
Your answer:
10.04
